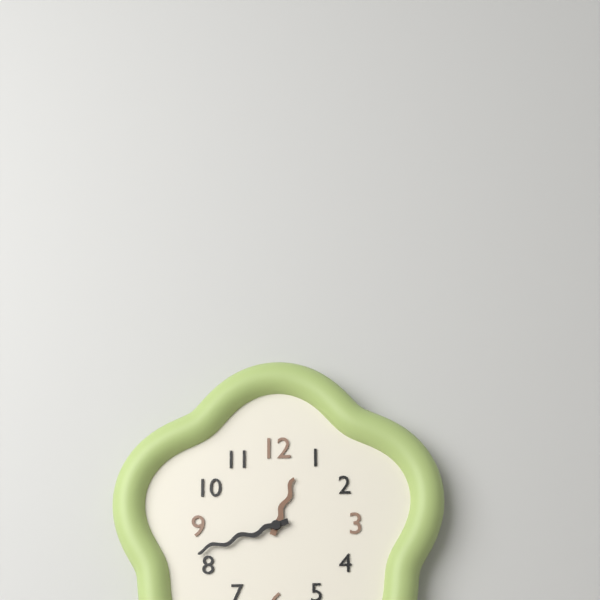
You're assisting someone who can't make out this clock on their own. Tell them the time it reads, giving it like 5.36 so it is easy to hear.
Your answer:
12.42
